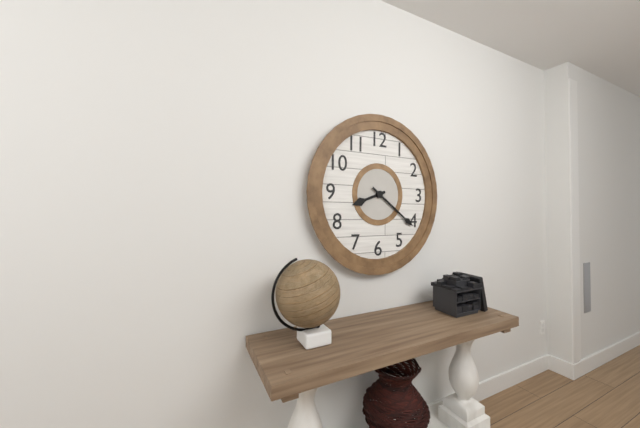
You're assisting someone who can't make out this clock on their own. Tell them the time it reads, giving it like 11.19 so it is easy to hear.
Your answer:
8.21
